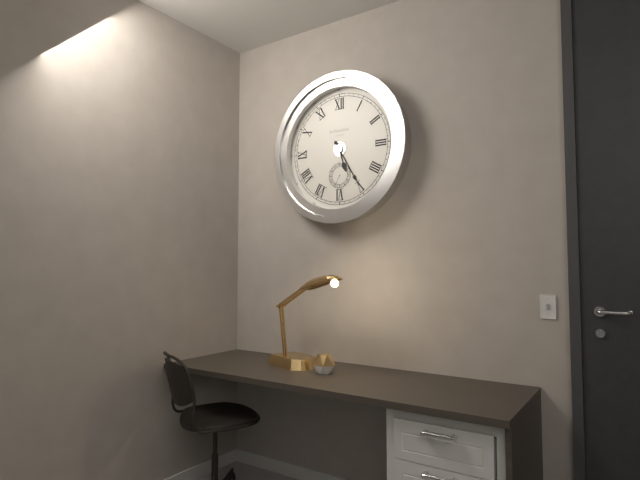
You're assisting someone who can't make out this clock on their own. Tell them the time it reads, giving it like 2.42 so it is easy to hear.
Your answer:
5.25
